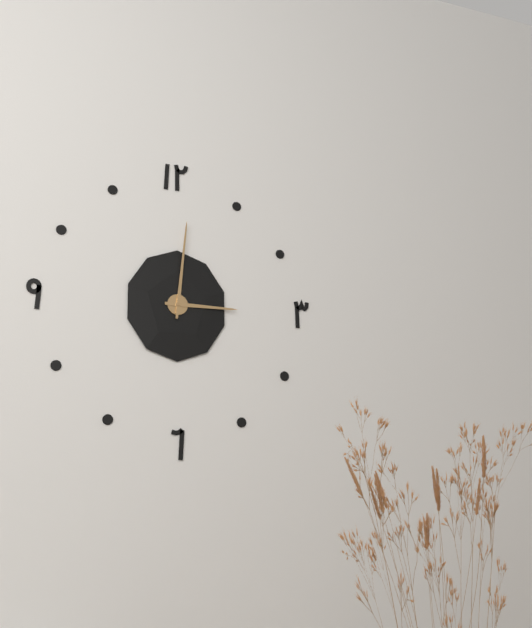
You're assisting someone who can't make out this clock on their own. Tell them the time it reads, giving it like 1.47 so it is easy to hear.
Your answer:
3.01
